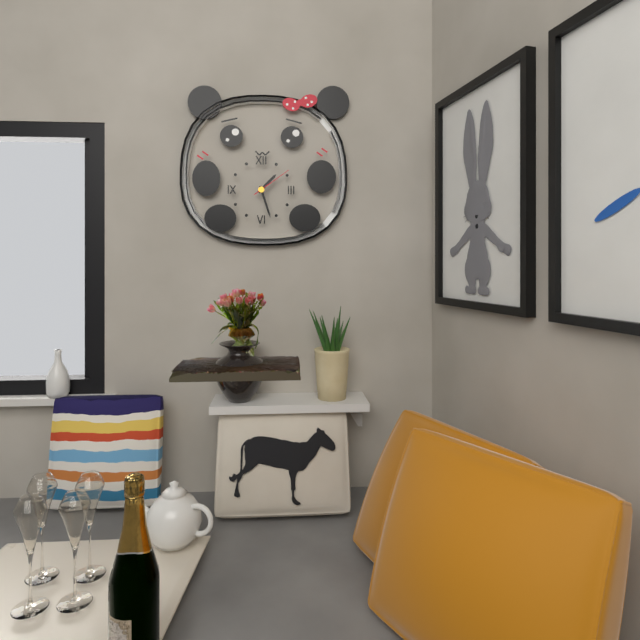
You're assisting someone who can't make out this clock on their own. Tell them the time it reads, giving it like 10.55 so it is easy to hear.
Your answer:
1.27
